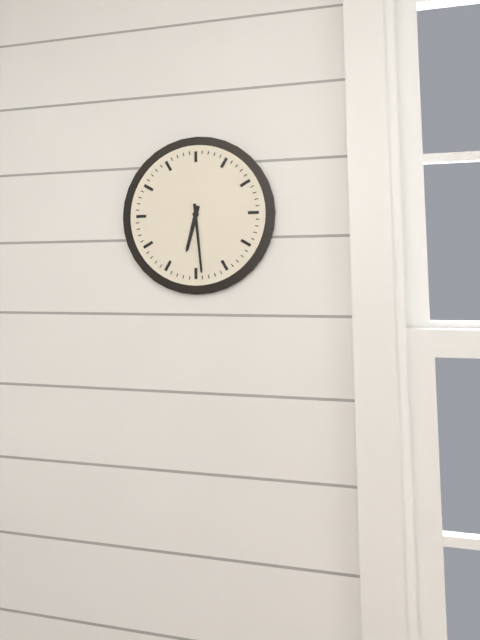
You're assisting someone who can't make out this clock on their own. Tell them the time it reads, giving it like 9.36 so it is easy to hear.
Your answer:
6.29
